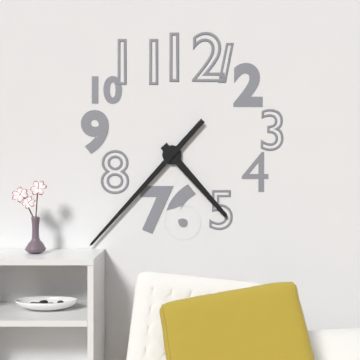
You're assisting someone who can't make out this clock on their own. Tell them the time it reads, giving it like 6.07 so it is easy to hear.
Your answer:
4.37
